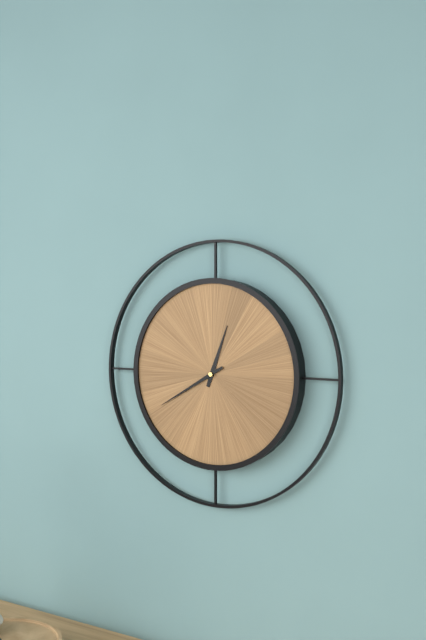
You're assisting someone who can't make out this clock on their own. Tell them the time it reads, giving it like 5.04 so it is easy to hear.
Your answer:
12.40
